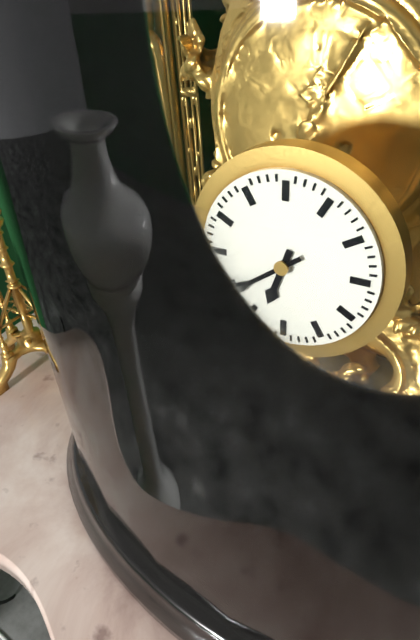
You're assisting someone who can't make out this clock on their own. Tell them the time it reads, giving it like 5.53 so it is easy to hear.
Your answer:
6.39
